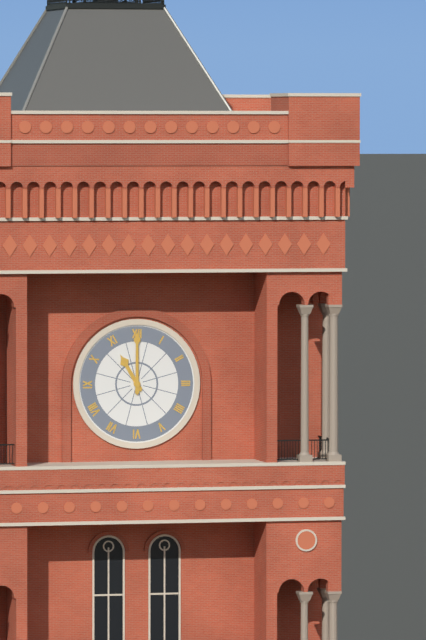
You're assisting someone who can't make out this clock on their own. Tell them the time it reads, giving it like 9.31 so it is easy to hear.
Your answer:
11.00
